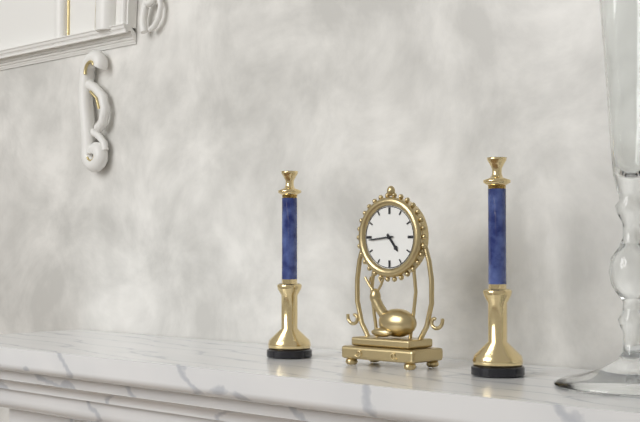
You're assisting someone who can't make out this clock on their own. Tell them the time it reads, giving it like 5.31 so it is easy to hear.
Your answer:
4.44
